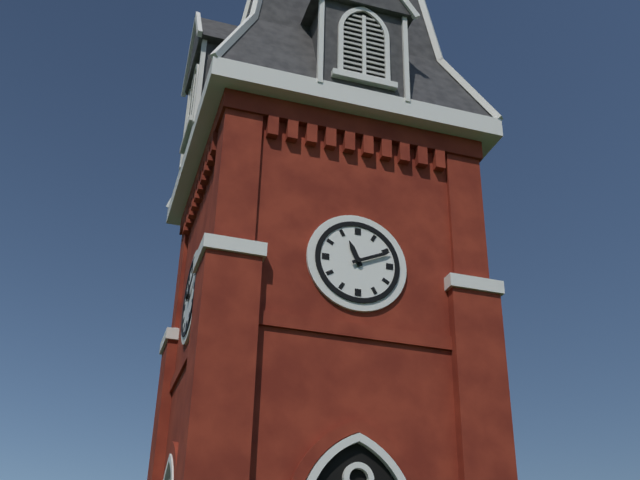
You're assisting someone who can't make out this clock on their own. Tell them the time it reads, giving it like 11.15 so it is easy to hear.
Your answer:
11.11
